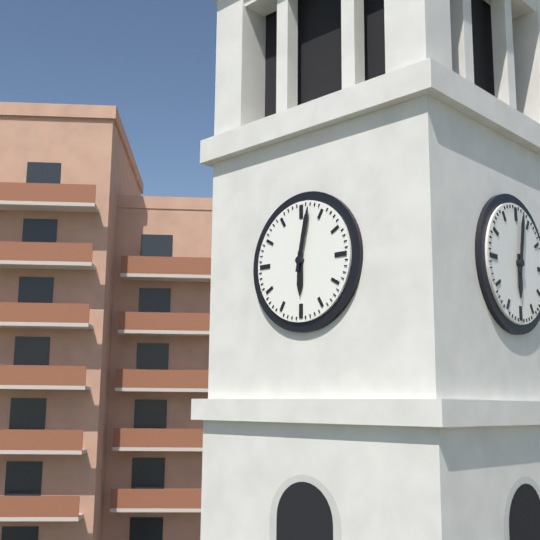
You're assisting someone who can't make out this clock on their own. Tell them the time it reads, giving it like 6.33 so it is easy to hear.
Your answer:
6.02
